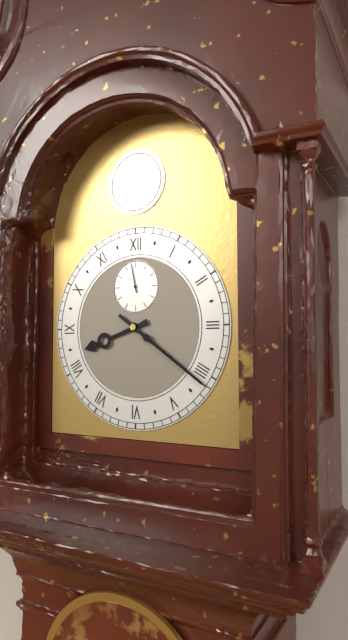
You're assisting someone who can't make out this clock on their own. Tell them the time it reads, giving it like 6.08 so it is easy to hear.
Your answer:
8.21
